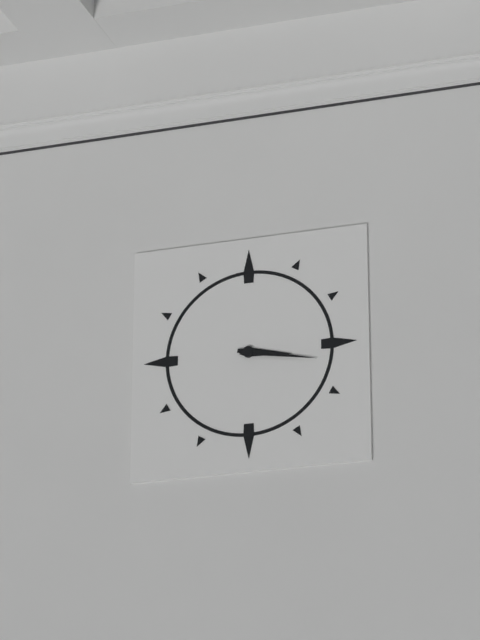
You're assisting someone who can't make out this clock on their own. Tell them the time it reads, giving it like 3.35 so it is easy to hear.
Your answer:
3.17
